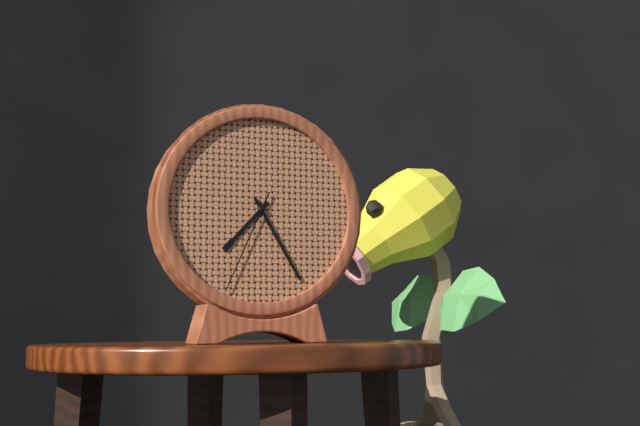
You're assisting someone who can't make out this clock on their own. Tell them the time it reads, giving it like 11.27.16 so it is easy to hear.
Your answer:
7.25.34
